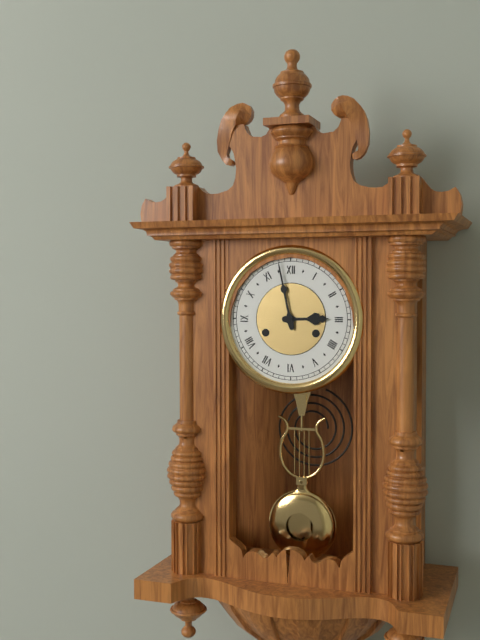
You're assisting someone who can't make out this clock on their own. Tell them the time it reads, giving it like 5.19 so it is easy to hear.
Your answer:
2.58
